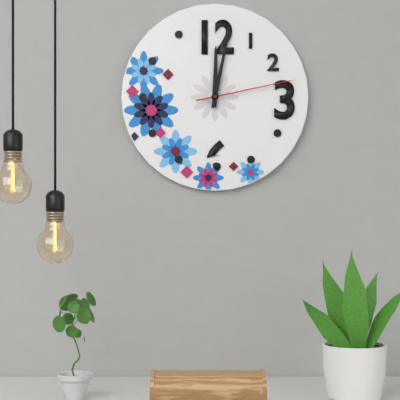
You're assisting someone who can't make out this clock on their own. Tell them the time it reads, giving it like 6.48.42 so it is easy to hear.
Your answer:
12.02.13
